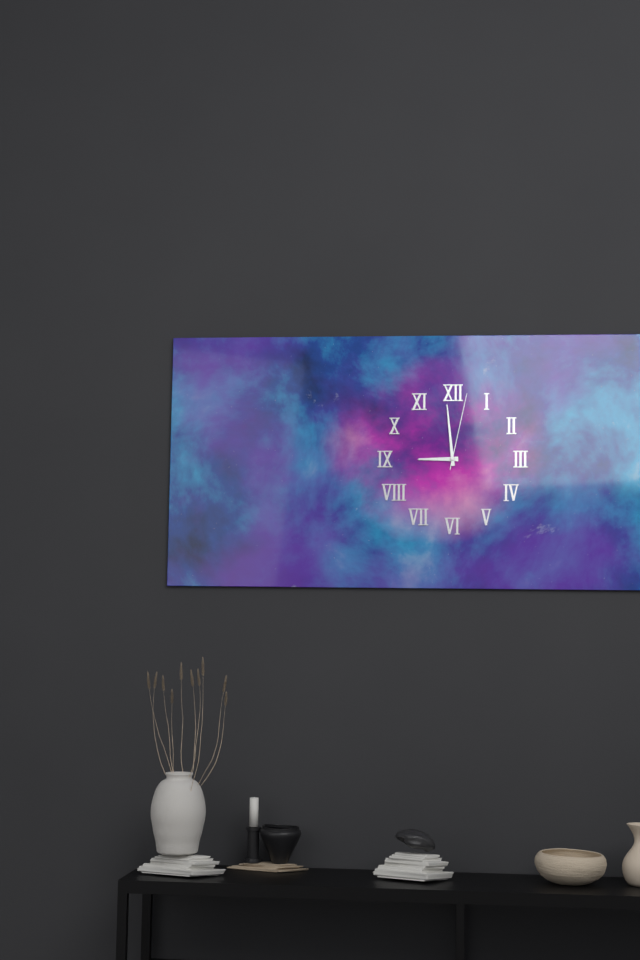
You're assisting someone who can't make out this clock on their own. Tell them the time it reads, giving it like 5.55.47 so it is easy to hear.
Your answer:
8.59.02
